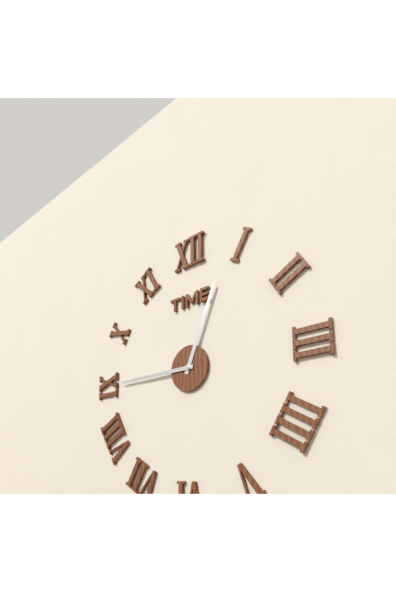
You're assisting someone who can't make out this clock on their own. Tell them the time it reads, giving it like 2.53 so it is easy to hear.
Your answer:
12.45
